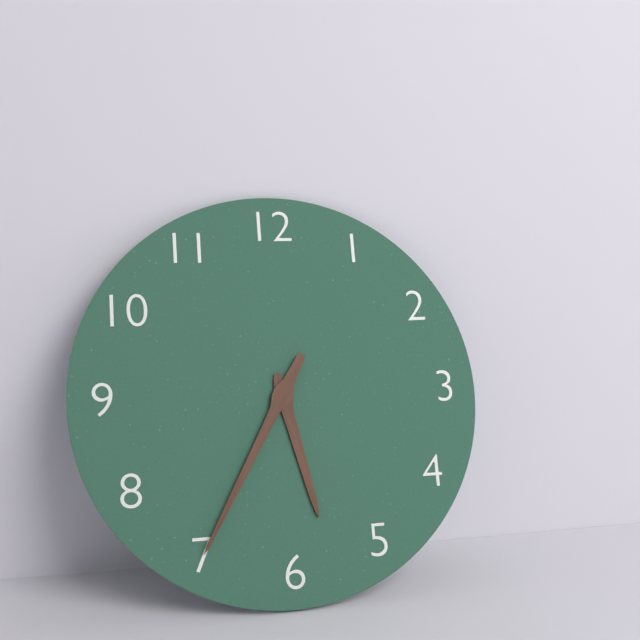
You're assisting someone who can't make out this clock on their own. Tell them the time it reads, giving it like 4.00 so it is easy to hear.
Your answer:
5.35
